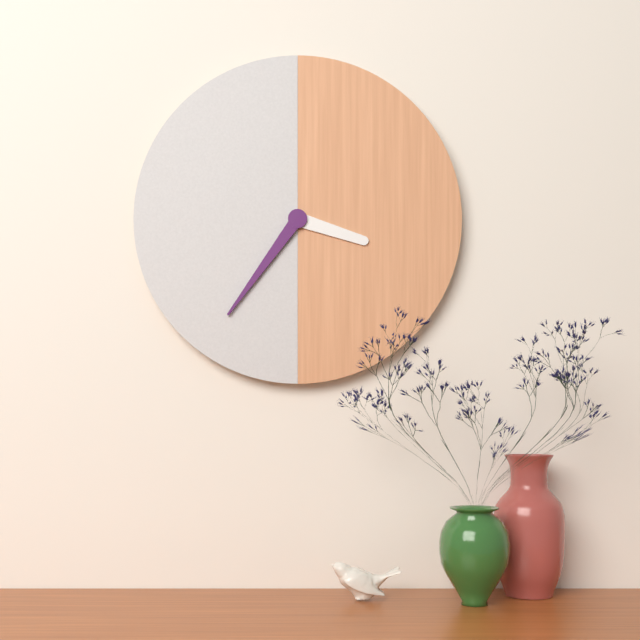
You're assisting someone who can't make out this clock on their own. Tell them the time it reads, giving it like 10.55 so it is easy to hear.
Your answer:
3.36
